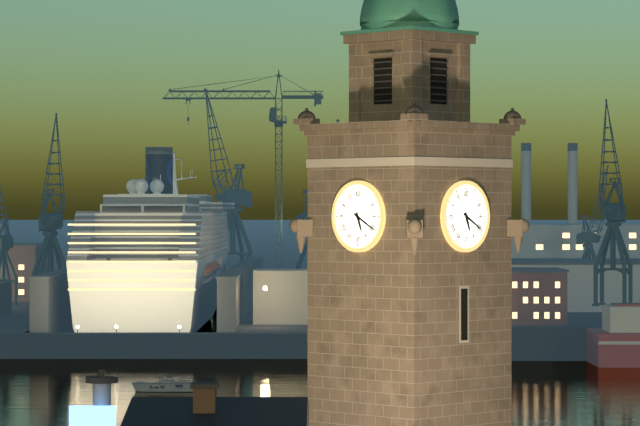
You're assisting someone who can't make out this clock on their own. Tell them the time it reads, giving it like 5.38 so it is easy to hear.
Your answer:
5.20
